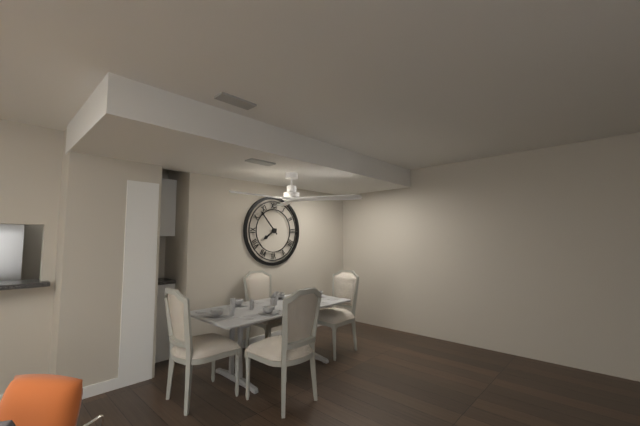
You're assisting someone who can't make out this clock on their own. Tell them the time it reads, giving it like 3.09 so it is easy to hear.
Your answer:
7.53
